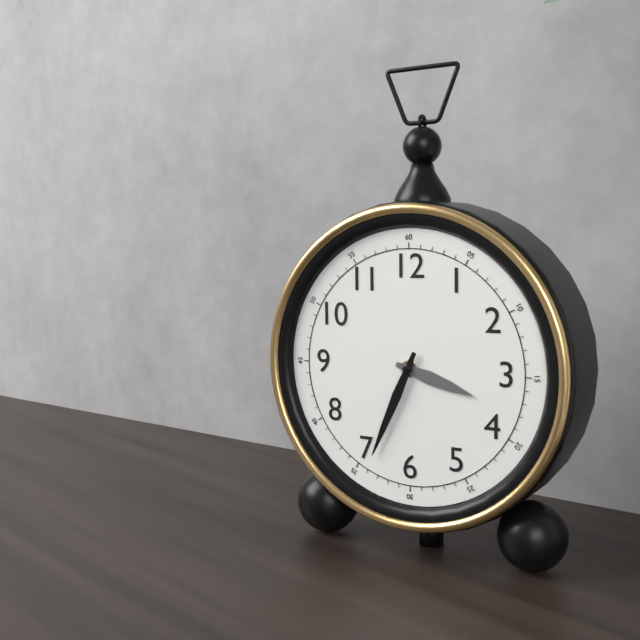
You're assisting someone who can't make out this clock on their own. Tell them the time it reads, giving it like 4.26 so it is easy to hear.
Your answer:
3.34
